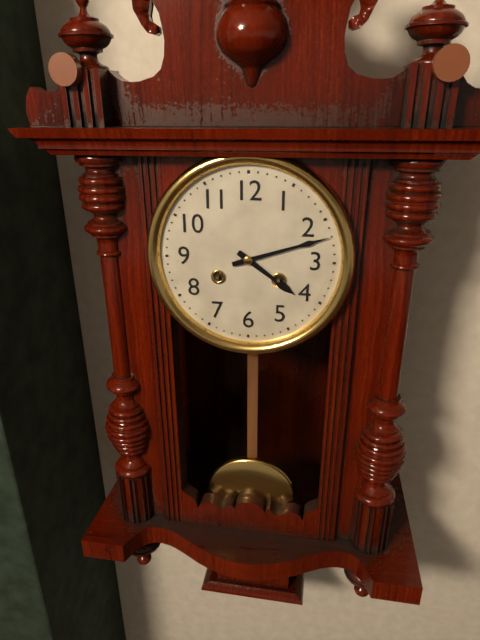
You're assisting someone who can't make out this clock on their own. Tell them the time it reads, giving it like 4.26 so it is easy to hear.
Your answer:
4.12
